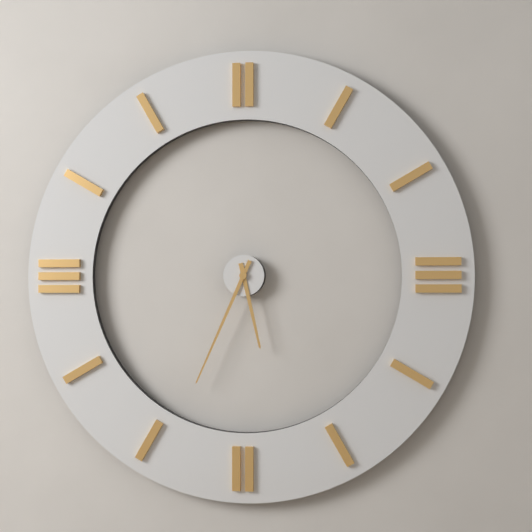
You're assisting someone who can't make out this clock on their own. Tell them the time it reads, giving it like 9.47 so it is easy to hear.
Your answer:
5.34
